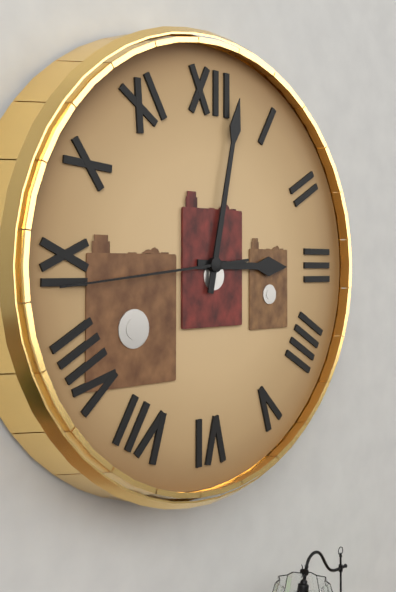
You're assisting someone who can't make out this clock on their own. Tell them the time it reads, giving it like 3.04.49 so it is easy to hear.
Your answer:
3.02.44
